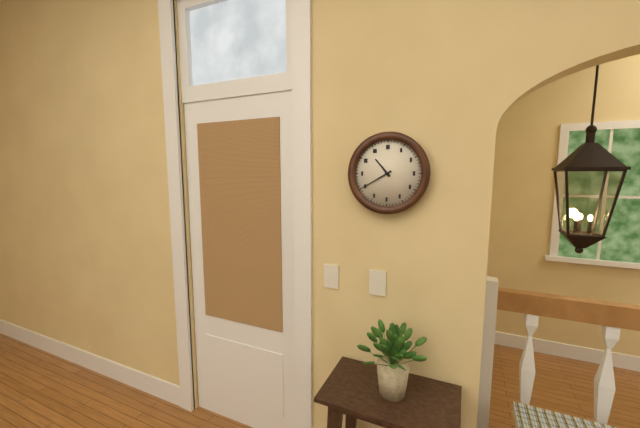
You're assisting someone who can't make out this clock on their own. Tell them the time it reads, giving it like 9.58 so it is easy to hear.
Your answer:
10.40
